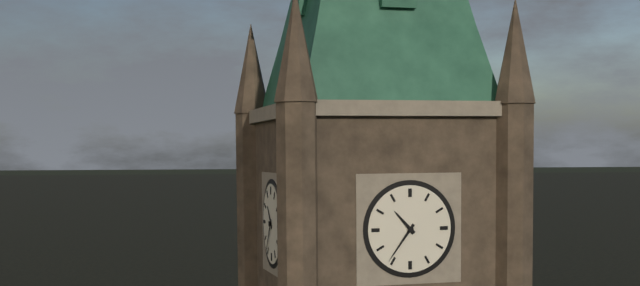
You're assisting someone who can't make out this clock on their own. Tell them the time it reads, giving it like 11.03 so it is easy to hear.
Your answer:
10.36
